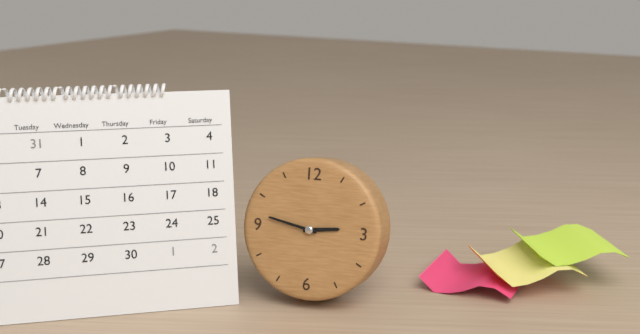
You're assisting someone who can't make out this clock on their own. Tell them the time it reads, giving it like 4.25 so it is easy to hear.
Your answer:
2.47
